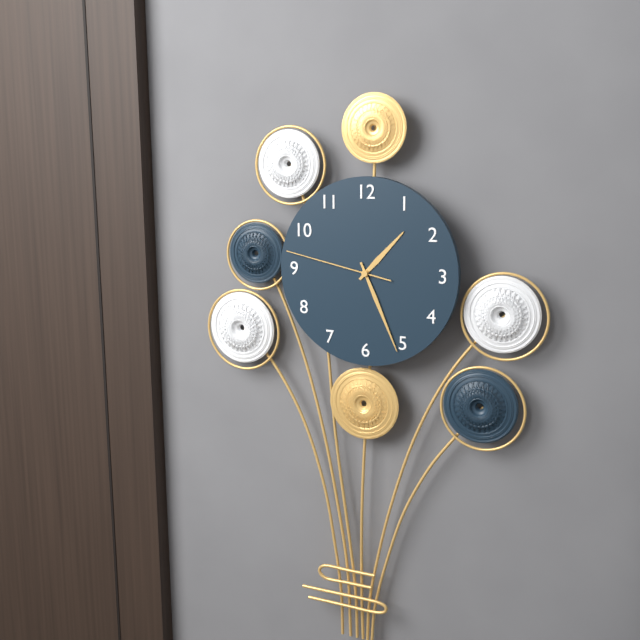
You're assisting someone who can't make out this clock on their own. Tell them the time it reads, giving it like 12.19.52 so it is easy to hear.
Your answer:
1.26.47
